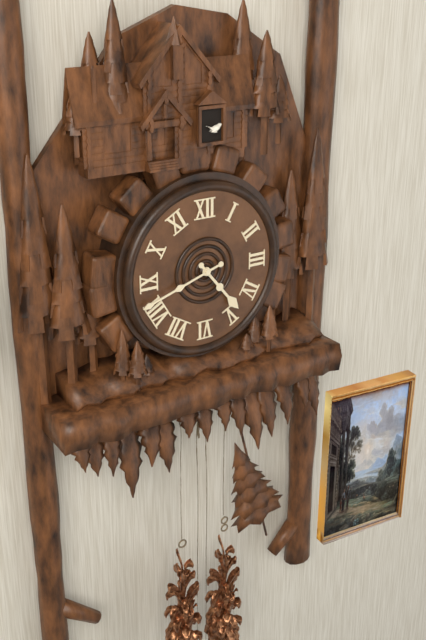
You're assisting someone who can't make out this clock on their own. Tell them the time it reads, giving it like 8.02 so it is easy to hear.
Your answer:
4.42
